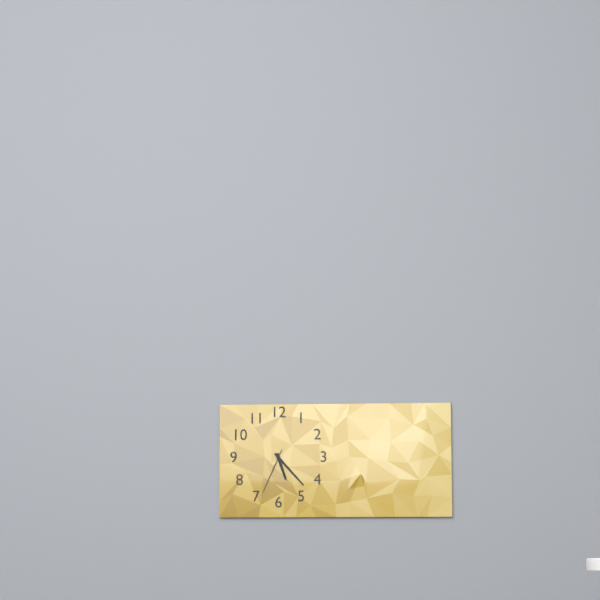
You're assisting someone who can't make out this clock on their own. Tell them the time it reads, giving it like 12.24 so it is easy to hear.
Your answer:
5.23
